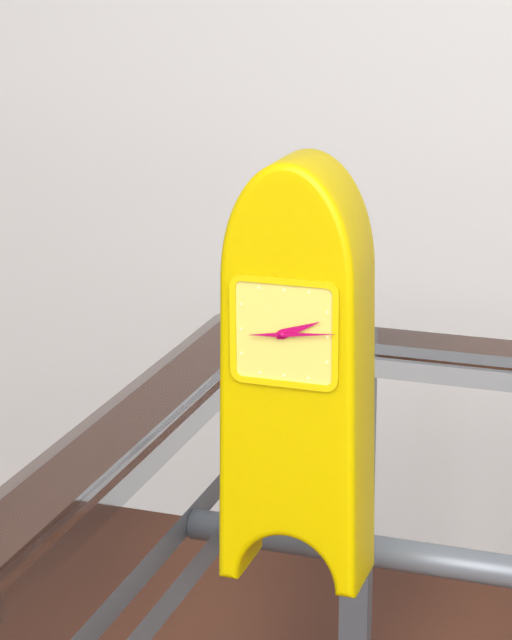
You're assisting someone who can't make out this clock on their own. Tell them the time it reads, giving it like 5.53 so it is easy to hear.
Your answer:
2.14
